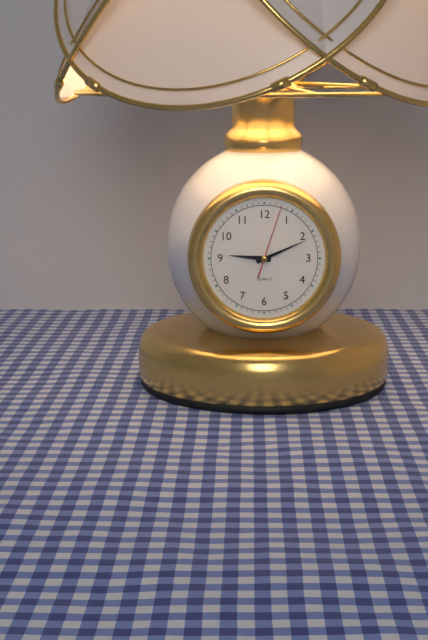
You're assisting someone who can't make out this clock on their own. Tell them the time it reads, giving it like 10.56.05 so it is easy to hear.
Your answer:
9.11.03
